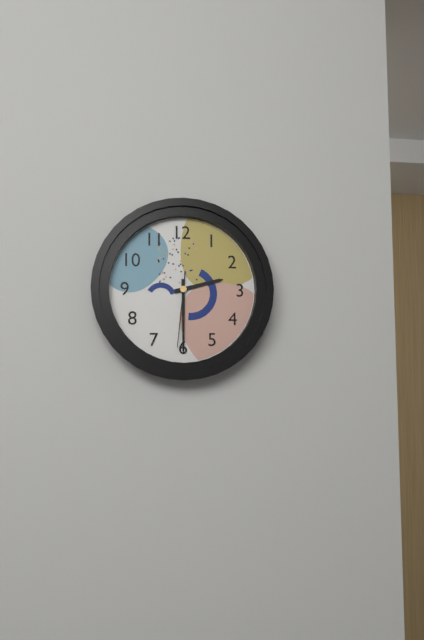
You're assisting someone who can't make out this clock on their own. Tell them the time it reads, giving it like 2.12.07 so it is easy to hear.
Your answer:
2.30.31
